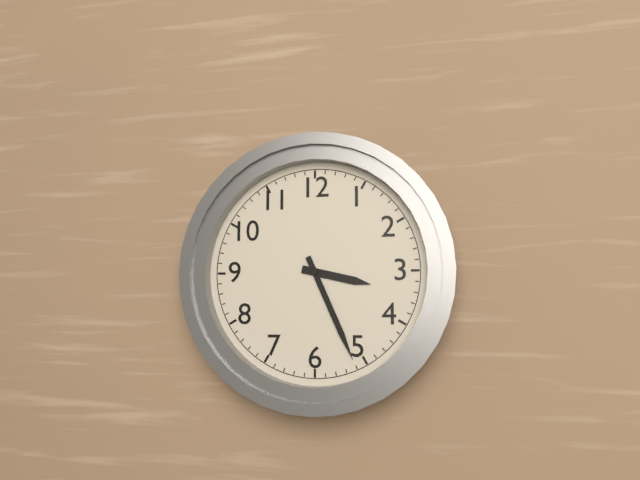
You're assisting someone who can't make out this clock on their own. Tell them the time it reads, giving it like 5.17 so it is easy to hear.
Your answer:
3.26
